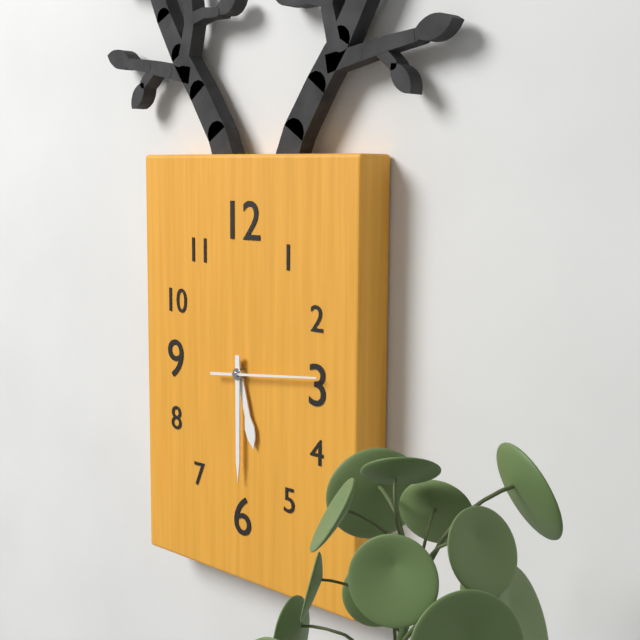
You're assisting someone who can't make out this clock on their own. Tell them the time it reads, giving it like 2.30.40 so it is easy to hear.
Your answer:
5.30.14
